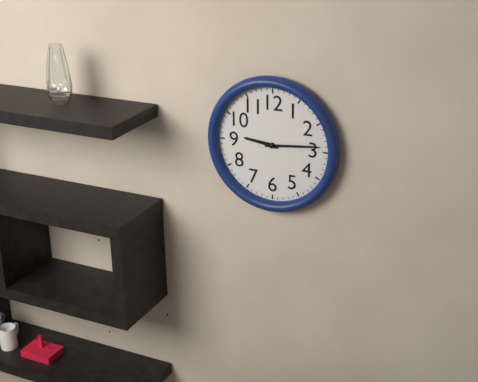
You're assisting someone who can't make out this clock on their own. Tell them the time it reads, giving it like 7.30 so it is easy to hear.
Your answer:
9.14
